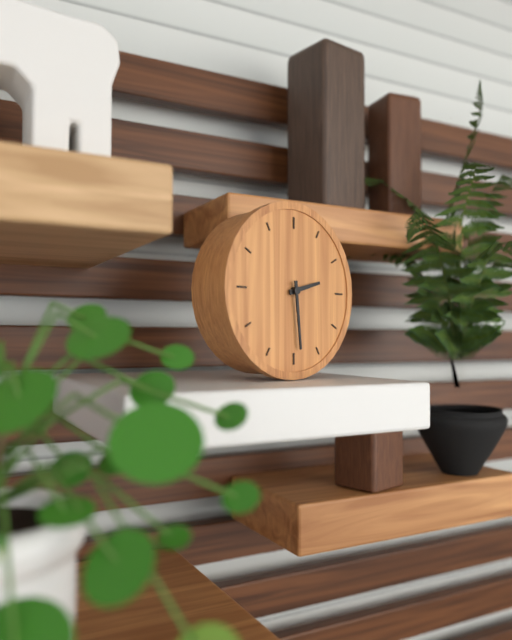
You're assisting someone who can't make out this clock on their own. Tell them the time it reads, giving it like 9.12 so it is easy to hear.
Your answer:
2.29
